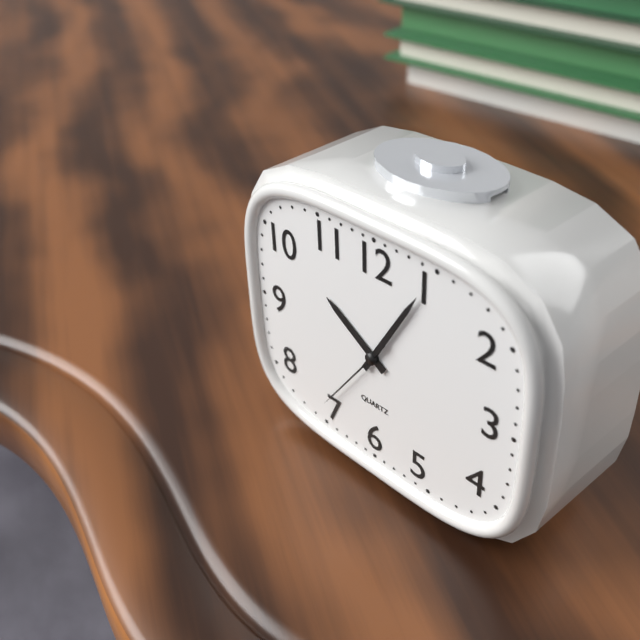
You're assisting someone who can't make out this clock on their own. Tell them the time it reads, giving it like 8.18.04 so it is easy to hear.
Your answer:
10.05.36
